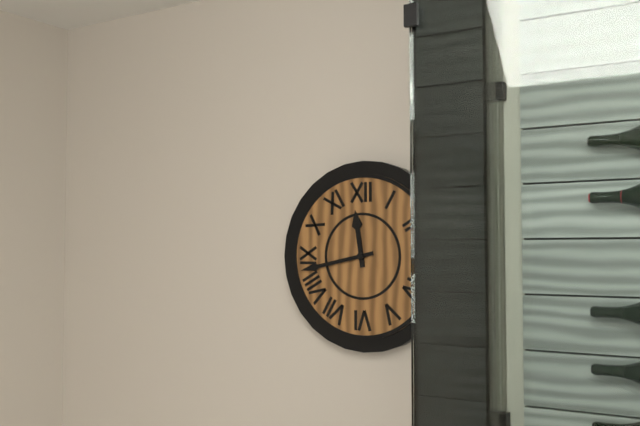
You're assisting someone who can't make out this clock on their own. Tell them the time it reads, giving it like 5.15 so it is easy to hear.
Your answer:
11.43
